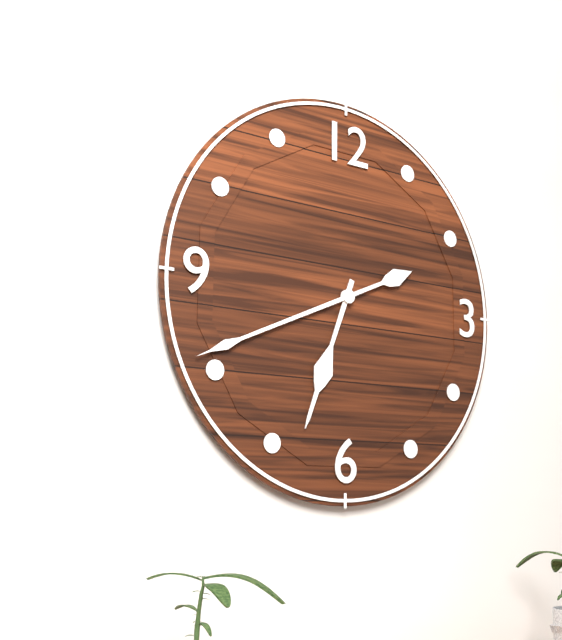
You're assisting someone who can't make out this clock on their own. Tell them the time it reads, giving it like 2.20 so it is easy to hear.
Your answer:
6.41
